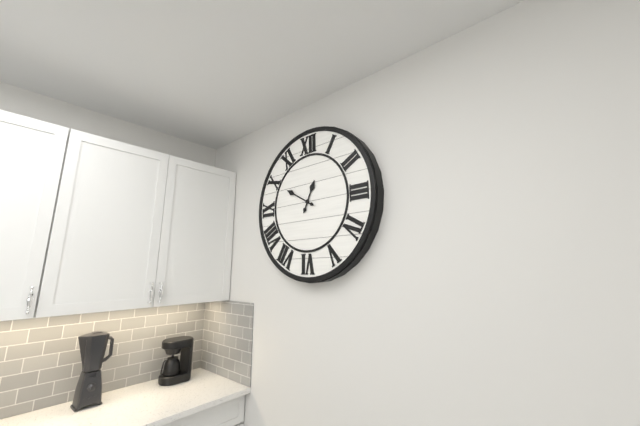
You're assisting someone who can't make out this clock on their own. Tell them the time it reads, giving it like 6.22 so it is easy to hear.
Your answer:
12.50
